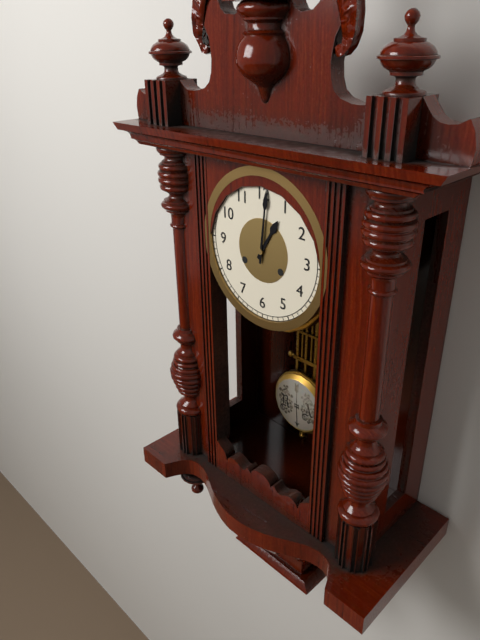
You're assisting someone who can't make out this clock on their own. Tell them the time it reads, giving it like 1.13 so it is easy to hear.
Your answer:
1.01
